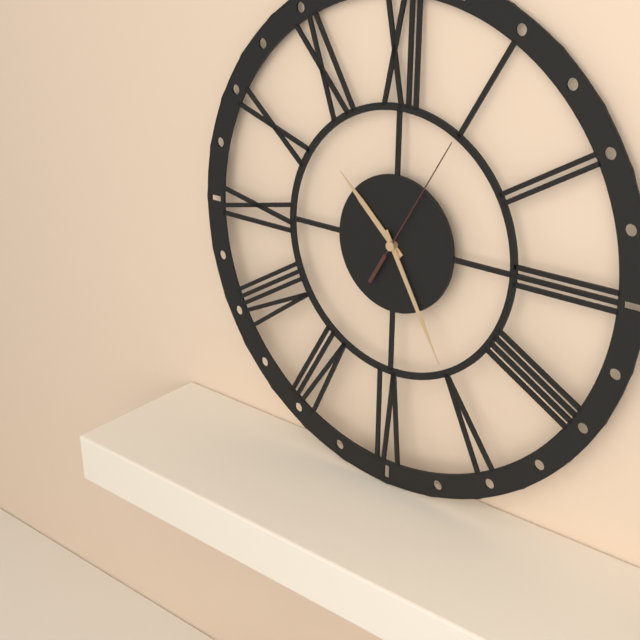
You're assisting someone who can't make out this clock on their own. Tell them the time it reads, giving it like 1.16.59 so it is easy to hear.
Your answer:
10.25.05
